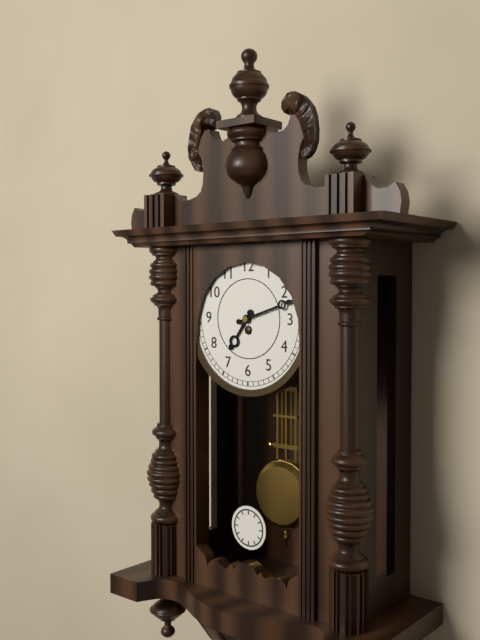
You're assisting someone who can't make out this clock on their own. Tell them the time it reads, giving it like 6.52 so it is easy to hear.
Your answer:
7.12
